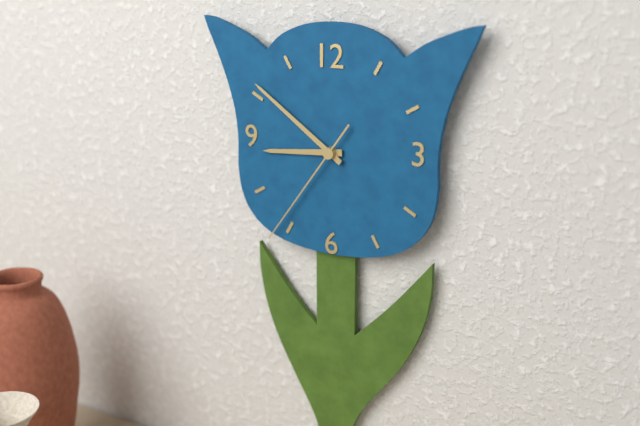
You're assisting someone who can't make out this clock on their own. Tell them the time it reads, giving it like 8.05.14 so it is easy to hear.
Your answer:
8.51.36
